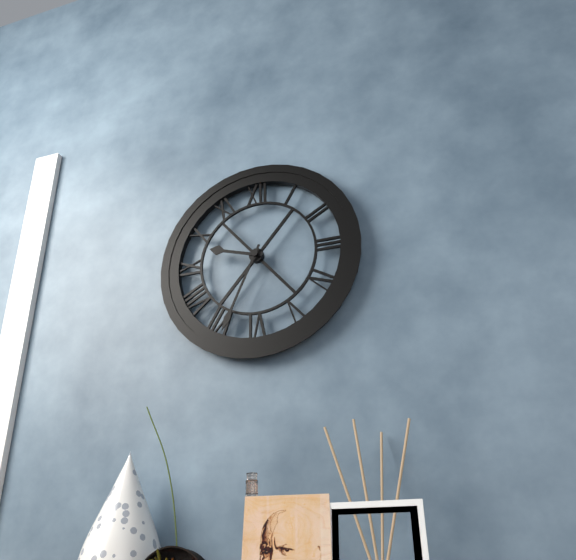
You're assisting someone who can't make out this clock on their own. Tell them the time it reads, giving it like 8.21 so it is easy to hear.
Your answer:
9.34
